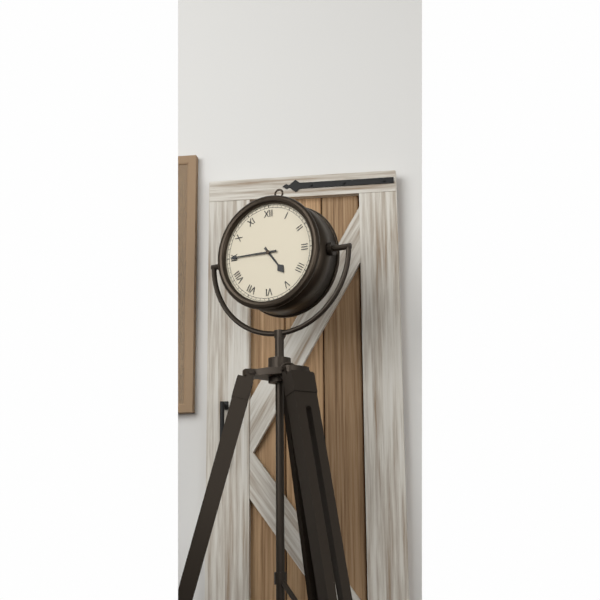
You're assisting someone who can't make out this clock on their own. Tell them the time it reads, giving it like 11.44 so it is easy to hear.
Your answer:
4.45
